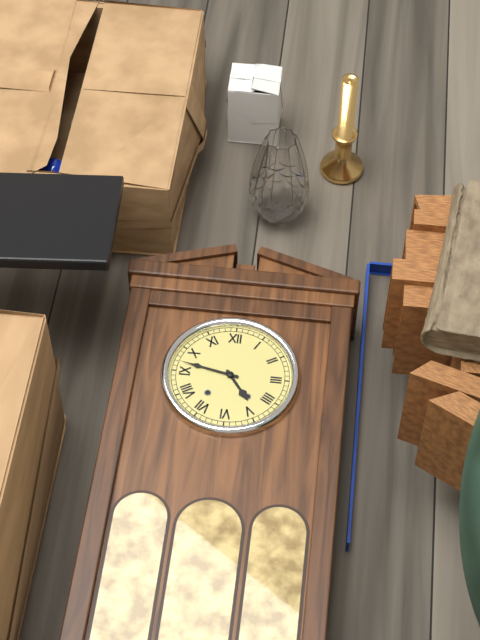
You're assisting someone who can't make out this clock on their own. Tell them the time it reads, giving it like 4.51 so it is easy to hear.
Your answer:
4.47
